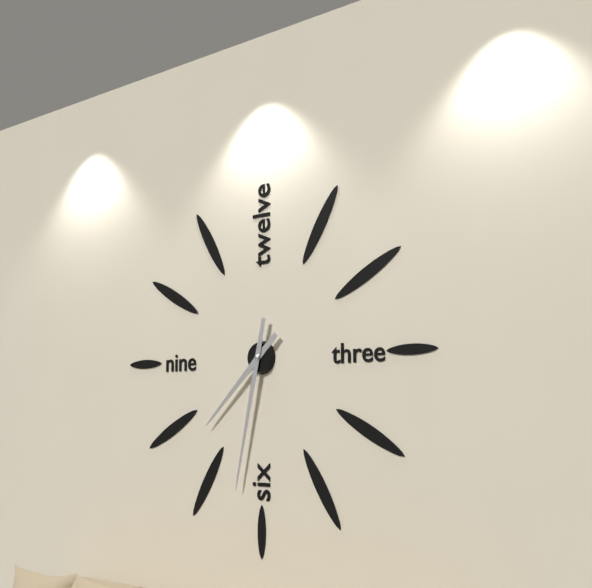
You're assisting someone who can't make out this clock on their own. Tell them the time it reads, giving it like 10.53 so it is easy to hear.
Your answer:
7.32
